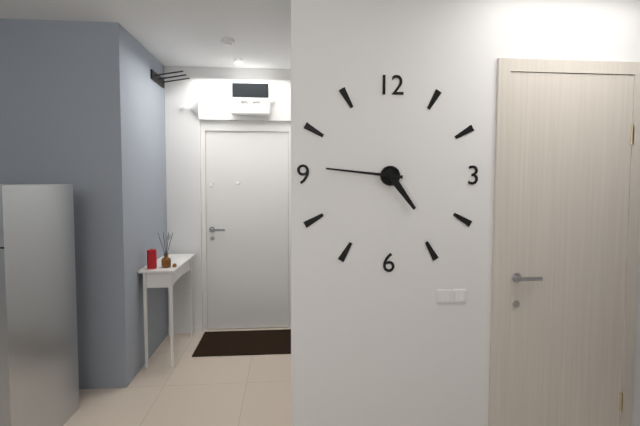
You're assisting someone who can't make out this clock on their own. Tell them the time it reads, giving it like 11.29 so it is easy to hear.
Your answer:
4.46
